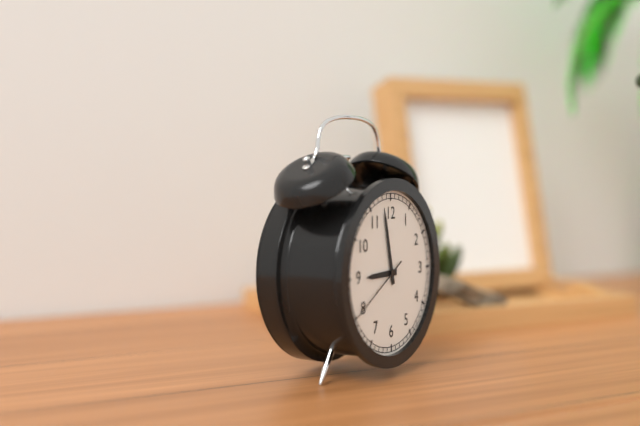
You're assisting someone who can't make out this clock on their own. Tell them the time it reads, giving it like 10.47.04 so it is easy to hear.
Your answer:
8.58.40
